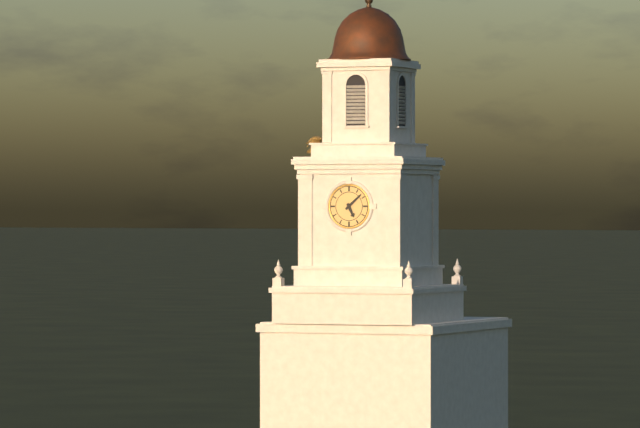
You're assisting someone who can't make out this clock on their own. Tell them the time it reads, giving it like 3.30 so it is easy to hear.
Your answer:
5.08
